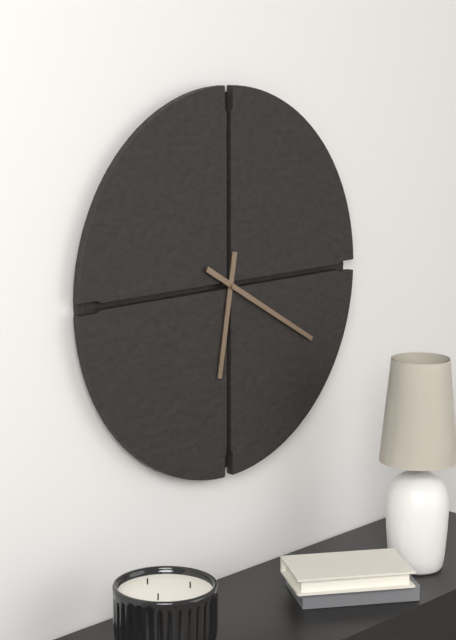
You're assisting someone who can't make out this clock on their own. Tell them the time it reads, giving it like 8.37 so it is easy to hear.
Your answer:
6.20
